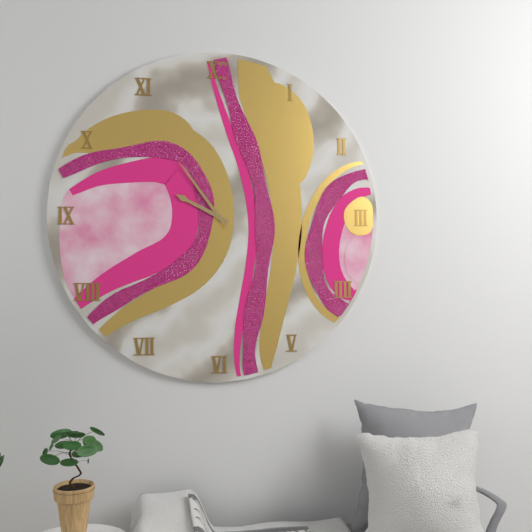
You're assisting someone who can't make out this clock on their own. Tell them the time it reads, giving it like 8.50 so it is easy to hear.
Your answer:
9.54
